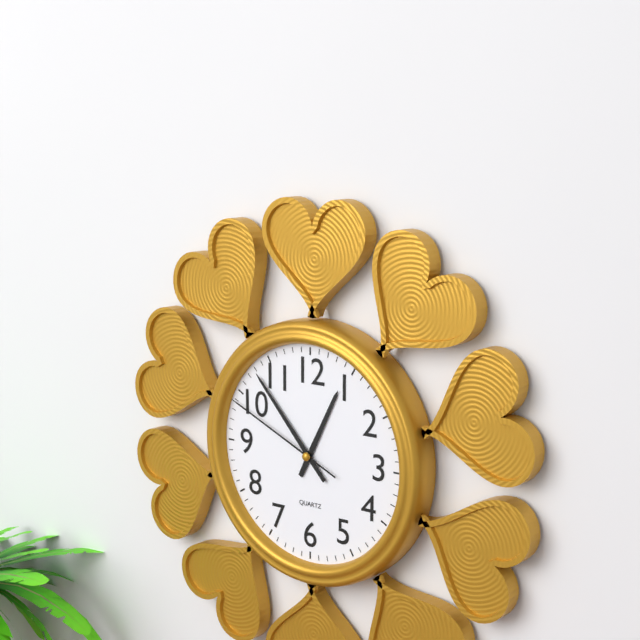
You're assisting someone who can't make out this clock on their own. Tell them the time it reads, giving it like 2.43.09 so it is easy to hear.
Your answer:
12.53.49
